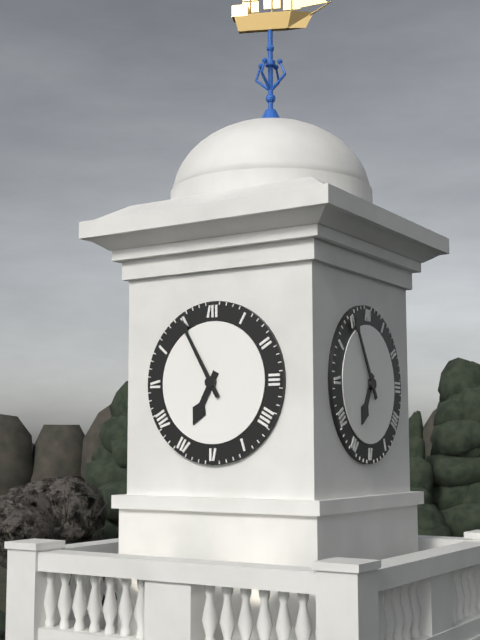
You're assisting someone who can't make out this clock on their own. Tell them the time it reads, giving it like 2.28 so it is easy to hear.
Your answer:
6.55
